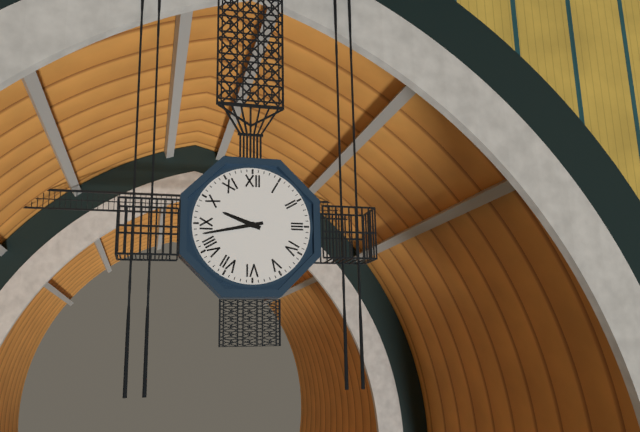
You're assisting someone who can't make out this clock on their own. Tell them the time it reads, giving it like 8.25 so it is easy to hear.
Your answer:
9.43
